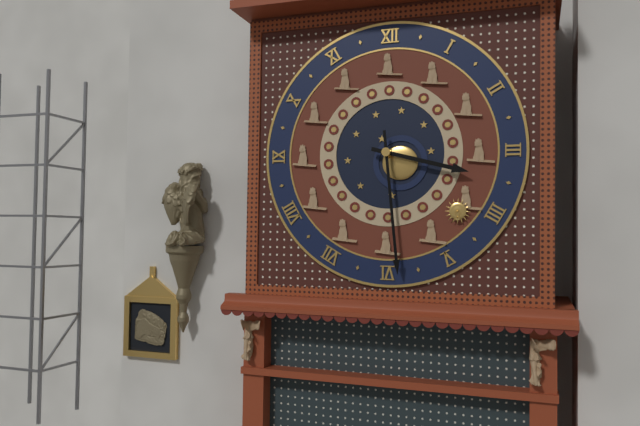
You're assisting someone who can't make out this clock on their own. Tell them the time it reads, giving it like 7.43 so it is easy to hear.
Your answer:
3.29
